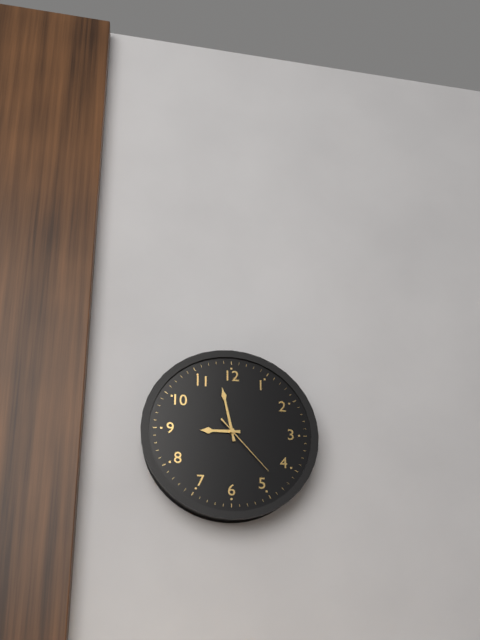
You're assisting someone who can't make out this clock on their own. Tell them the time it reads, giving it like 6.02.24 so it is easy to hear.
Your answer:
8.58.23
